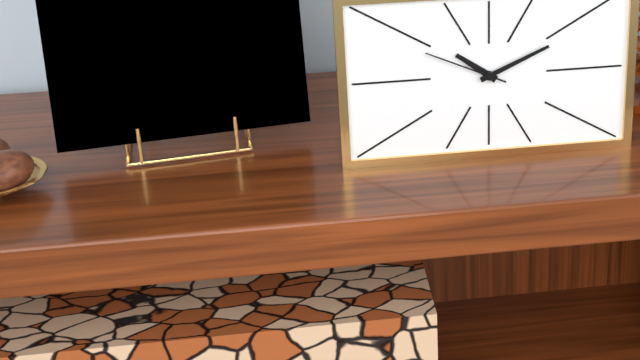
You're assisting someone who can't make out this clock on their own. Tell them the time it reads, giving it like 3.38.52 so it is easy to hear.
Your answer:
10.11.49
